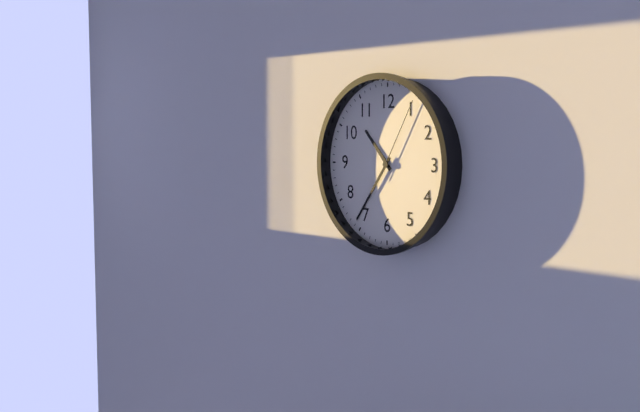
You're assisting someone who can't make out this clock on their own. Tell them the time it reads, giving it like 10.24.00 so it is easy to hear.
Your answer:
10.36.05
